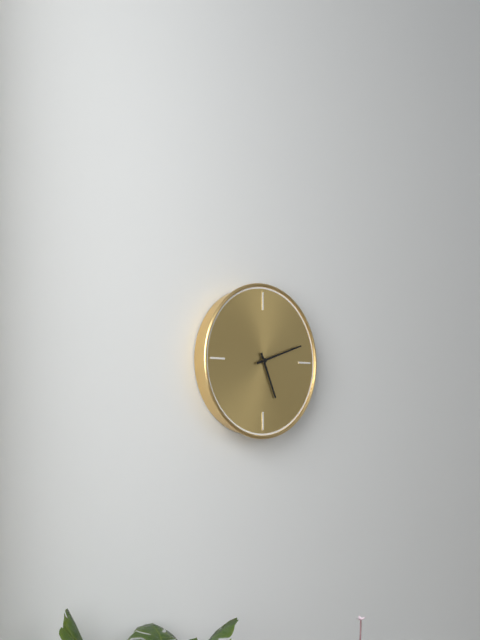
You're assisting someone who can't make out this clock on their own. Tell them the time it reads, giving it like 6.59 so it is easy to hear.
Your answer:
5.12
